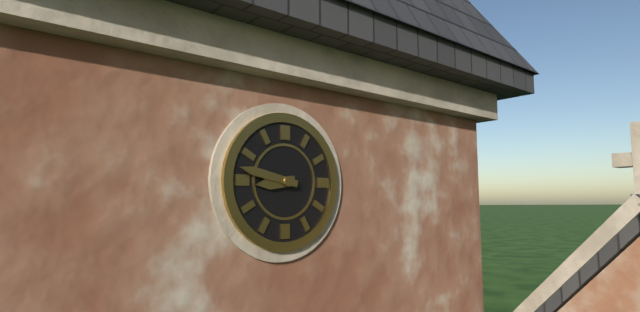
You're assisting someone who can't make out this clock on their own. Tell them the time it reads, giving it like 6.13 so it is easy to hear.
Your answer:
8.47
